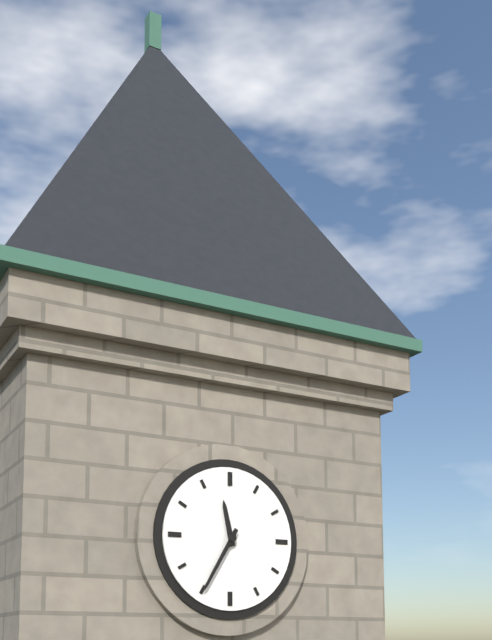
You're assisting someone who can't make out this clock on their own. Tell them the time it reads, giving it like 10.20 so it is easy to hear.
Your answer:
11.35
